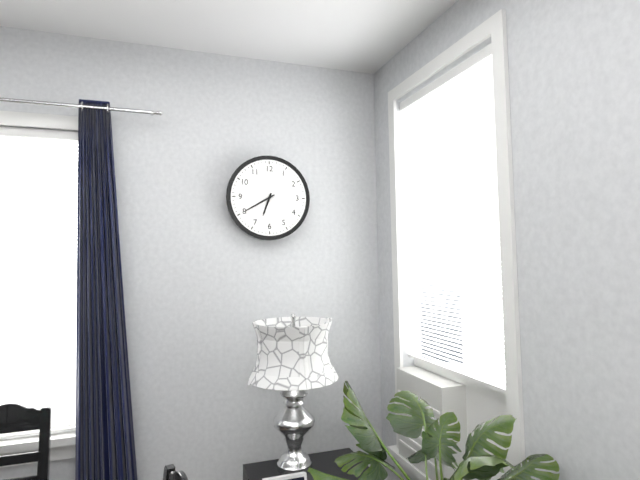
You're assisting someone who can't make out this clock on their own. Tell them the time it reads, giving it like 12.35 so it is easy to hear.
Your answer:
6.40
